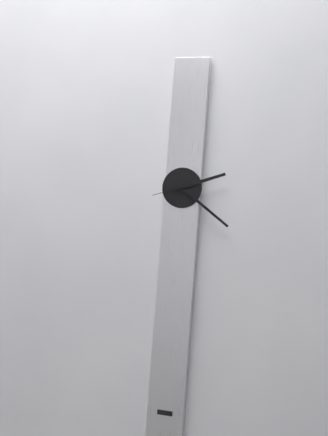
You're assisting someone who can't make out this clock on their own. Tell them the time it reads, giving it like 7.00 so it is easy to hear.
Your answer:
2.21
